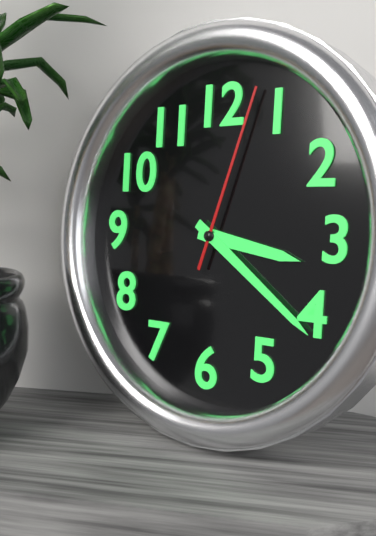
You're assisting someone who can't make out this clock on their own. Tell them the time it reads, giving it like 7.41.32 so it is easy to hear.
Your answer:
3.21.03
